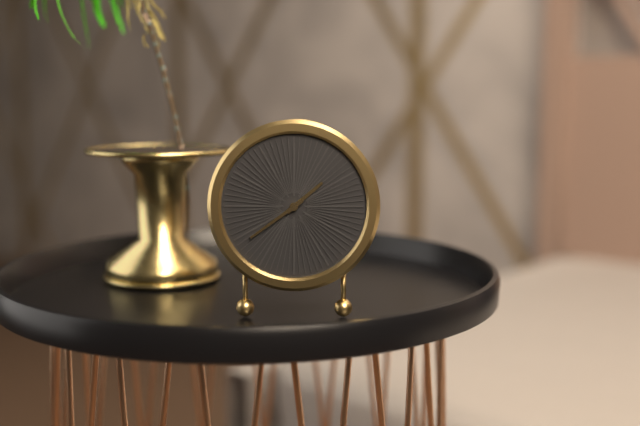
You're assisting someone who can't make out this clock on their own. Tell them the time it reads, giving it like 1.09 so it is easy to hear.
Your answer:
1.39
